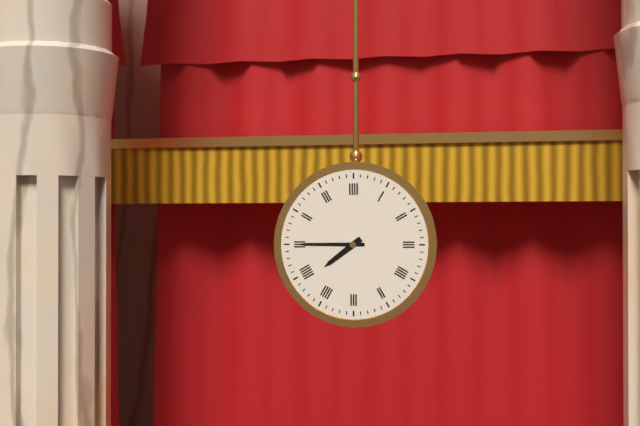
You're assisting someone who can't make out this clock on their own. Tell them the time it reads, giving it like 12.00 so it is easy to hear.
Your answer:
7.45
